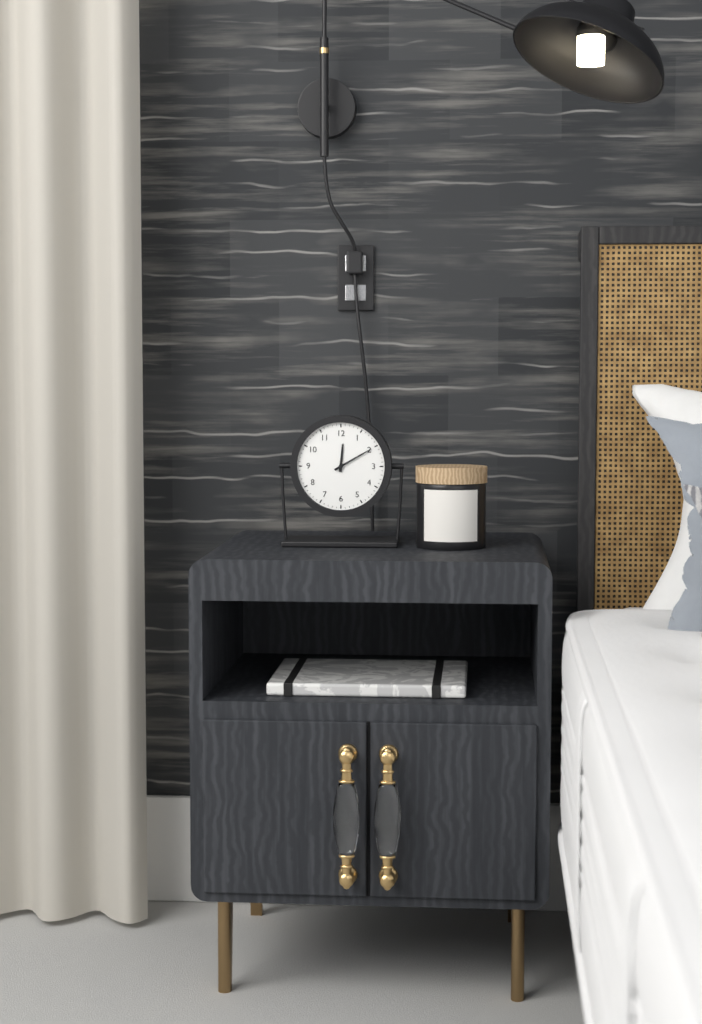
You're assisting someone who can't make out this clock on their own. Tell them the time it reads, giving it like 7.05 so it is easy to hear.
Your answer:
12.10
